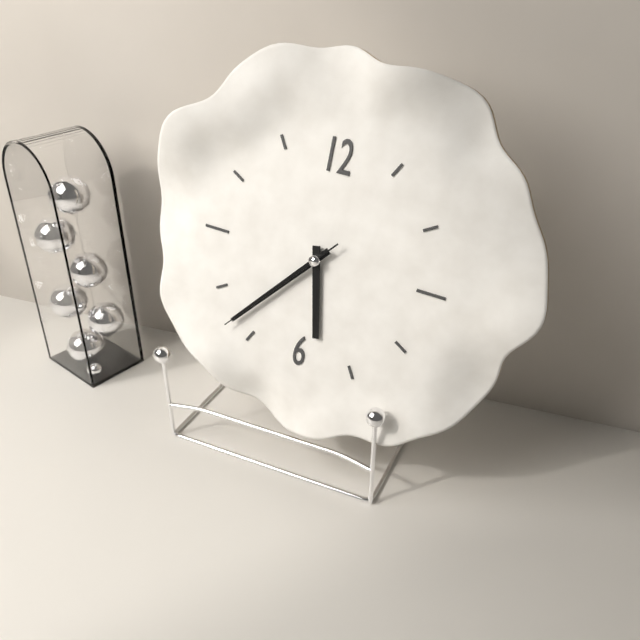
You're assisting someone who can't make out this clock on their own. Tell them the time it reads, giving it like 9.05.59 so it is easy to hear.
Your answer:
5.37.37
